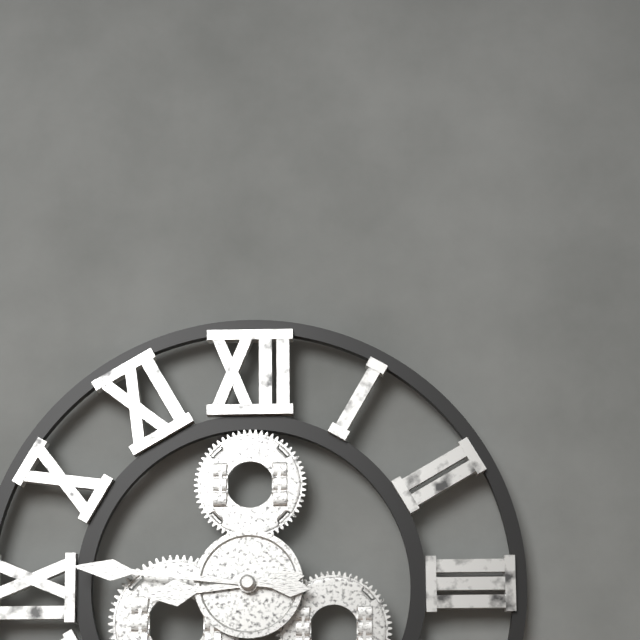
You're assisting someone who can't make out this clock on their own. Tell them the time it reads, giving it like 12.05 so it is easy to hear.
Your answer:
8.46
